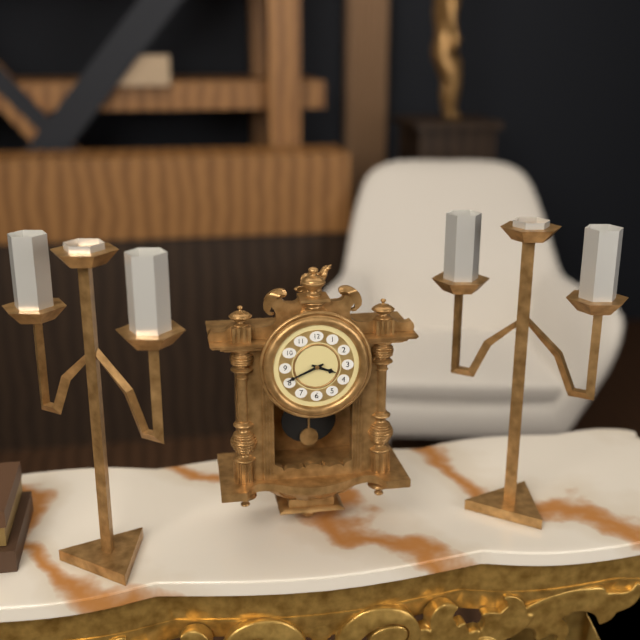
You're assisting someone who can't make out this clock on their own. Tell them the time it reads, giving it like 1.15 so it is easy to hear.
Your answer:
3.41
